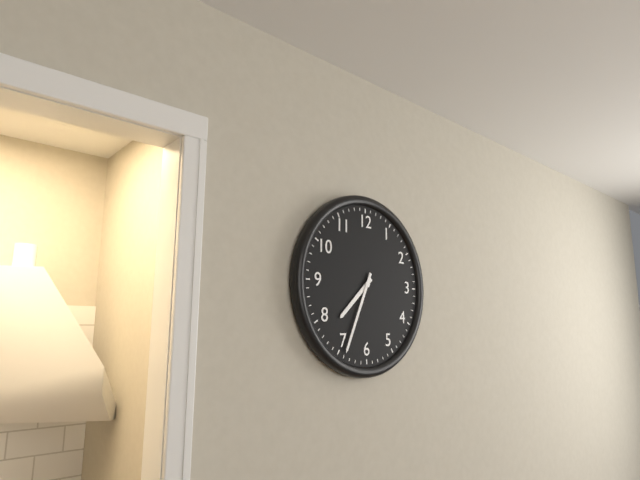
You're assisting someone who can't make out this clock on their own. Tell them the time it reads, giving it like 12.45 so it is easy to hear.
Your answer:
7.34
